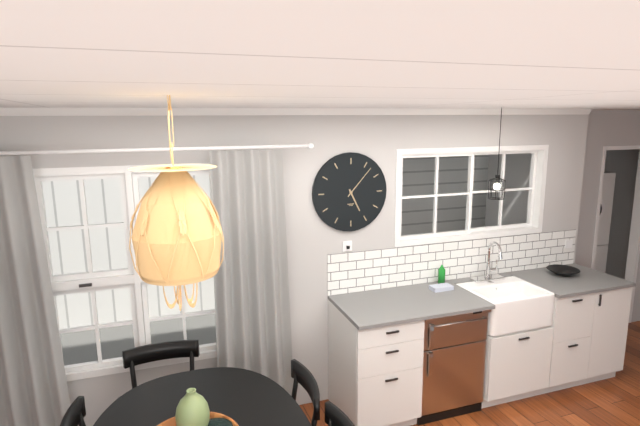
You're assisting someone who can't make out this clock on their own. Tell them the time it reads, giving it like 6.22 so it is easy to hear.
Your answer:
5.07
